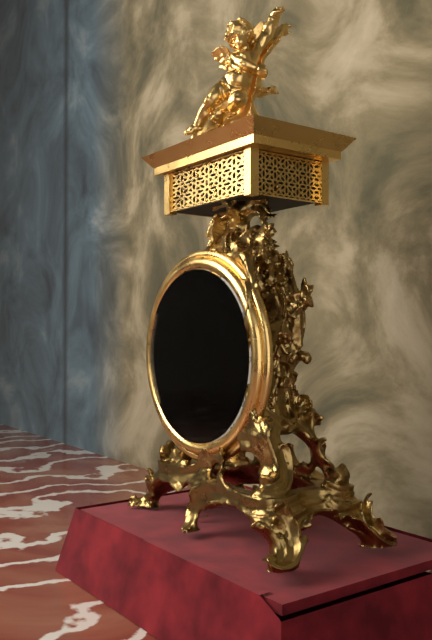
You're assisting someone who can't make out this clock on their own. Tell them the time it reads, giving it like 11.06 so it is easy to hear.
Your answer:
11.29
